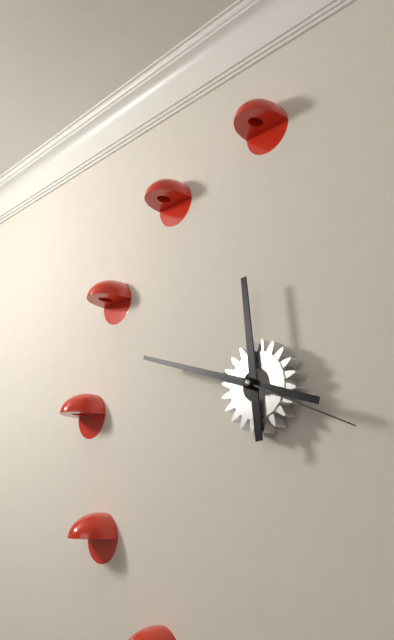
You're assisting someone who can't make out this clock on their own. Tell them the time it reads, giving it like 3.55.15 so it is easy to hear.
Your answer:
11.48.19
